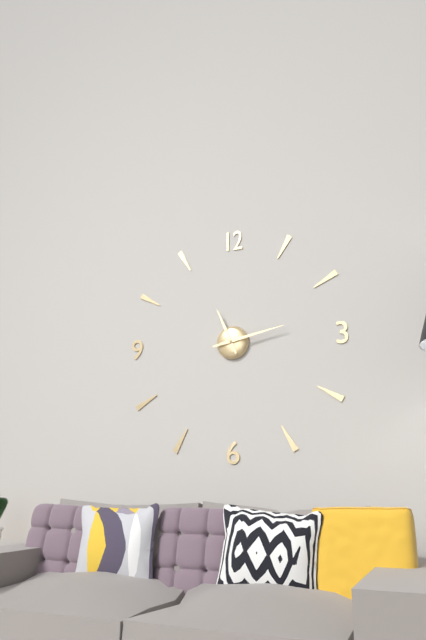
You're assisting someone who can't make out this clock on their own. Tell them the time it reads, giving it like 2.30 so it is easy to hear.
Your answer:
11.13
